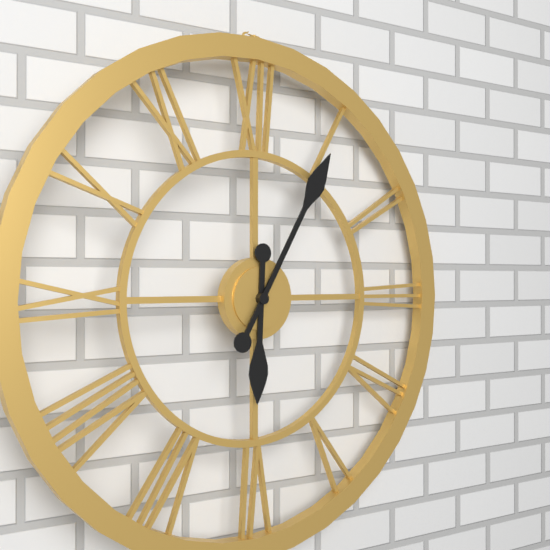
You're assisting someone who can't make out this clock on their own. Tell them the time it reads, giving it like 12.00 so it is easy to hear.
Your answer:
6.05
